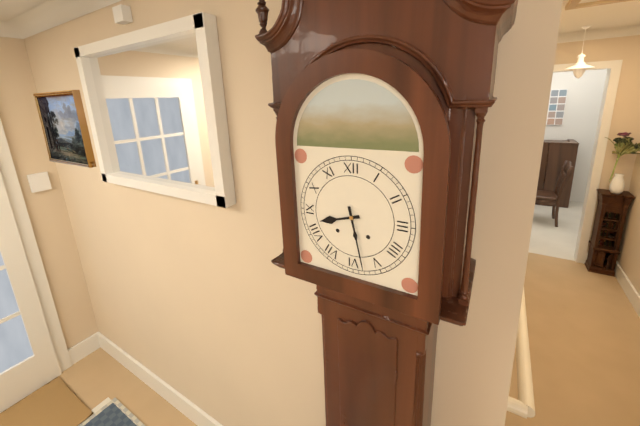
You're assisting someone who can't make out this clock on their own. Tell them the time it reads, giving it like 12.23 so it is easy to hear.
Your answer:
8.28
